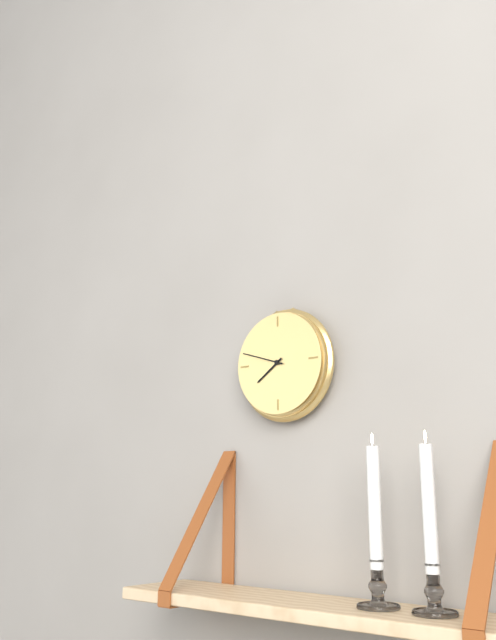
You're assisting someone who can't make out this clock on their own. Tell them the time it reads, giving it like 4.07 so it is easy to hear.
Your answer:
7.48
